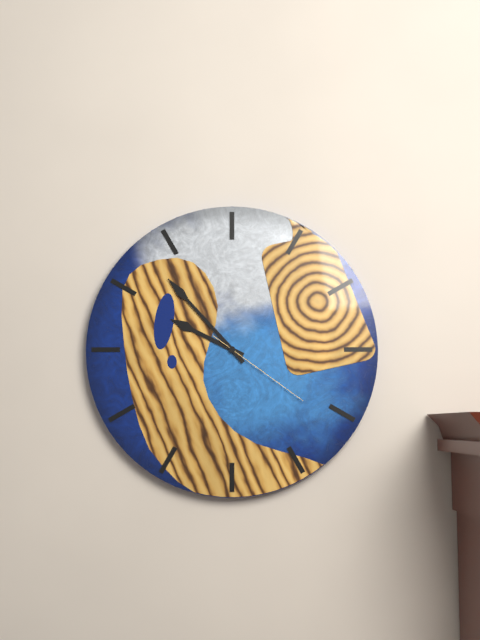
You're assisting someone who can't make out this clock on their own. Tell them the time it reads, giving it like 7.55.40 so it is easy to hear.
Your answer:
9.53.21
